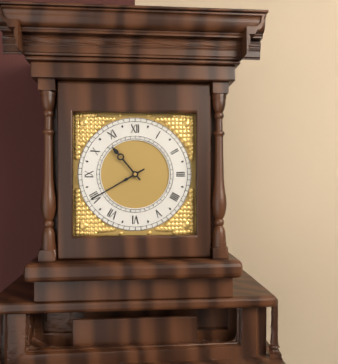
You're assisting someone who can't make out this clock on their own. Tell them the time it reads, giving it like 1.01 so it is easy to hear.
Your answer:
10.40
